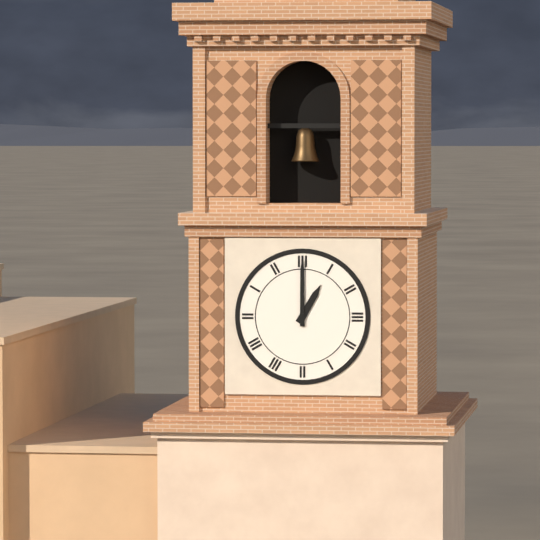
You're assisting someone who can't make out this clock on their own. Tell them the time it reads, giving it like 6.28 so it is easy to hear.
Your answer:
1.00
